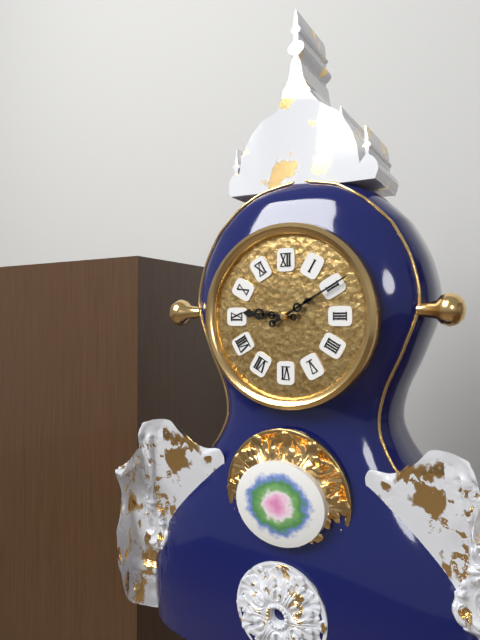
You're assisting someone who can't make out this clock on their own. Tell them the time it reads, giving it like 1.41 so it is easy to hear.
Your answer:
9.10
